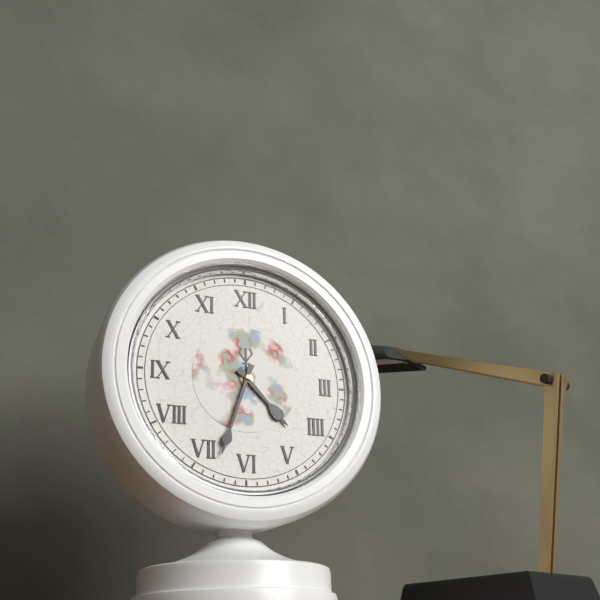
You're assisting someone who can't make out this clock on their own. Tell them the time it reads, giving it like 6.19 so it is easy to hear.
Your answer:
4.33
